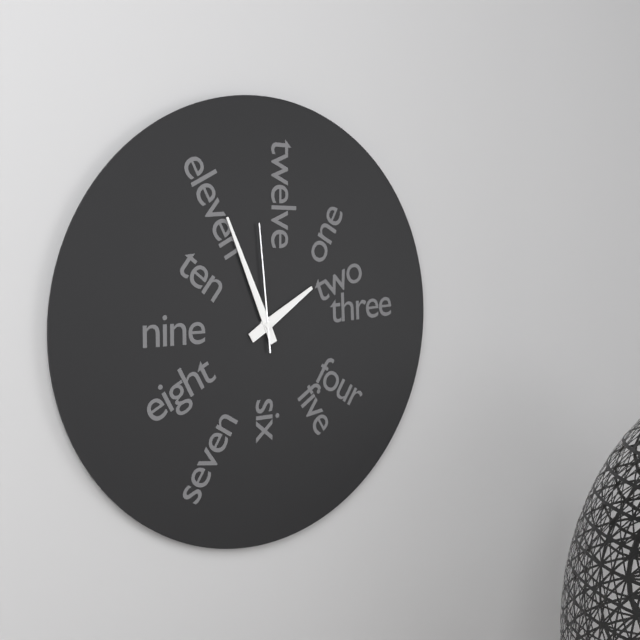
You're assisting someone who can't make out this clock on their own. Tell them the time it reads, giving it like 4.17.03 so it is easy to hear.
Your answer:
1.56.59
